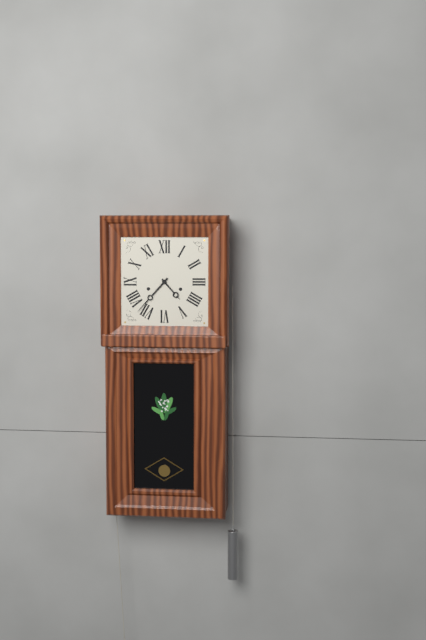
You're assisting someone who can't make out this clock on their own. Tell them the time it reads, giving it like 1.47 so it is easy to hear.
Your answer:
4.37
